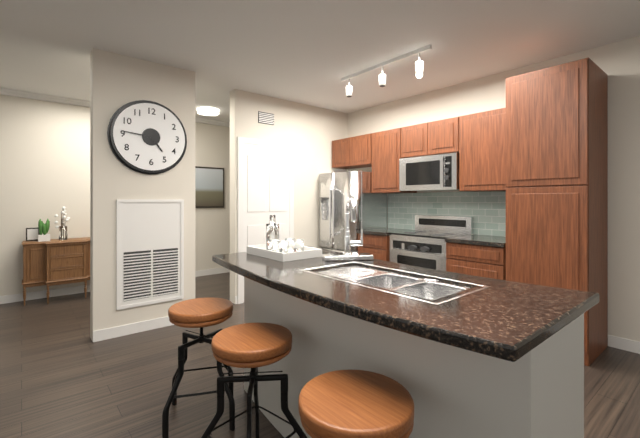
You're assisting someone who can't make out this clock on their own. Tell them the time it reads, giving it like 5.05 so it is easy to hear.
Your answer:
4.46
